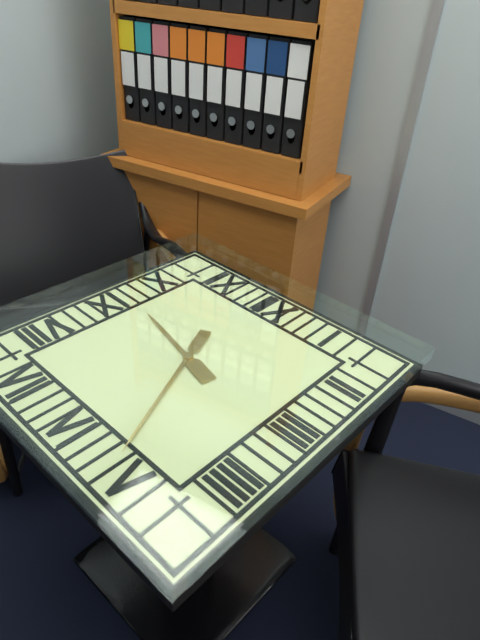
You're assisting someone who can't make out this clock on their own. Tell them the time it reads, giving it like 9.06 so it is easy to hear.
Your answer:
9.26
